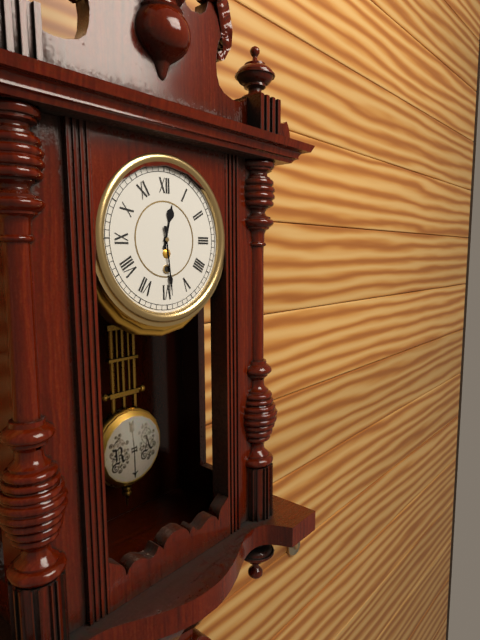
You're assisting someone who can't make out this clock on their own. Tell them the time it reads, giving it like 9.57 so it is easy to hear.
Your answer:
12.29
